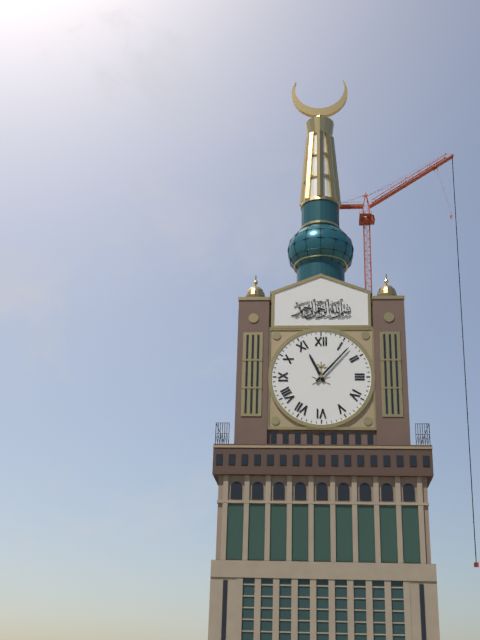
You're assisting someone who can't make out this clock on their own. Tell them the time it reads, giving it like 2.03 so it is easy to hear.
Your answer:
11.07
